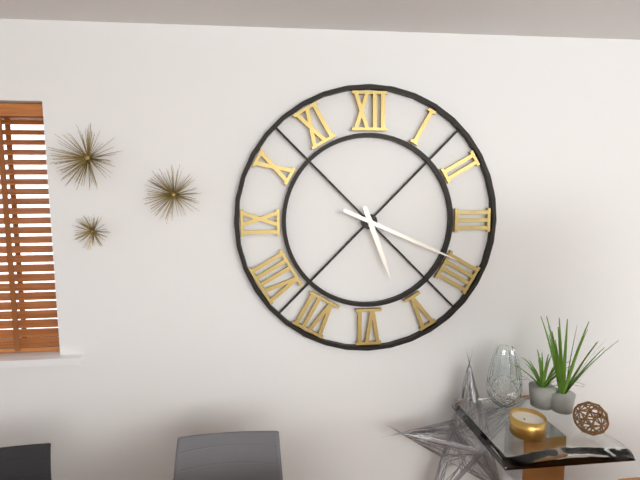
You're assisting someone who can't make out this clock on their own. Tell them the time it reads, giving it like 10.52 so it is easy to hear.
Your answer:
5.19
